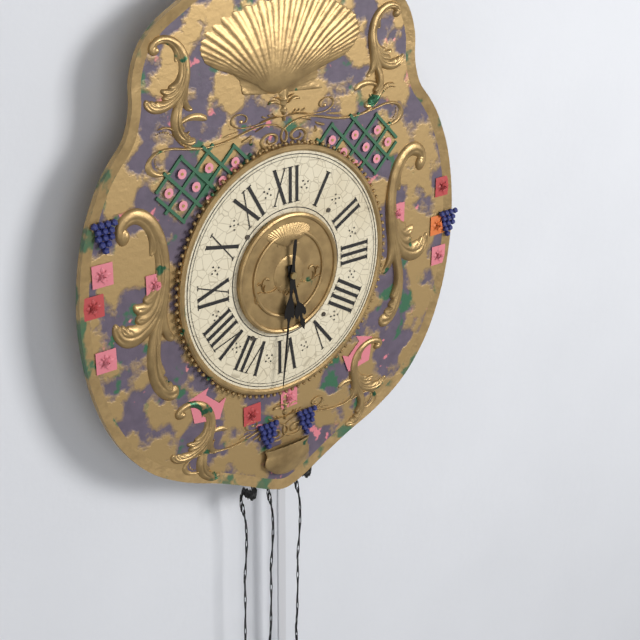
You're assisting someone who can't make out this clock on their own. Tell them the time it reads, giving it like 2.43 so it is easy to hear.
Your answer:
5.31
